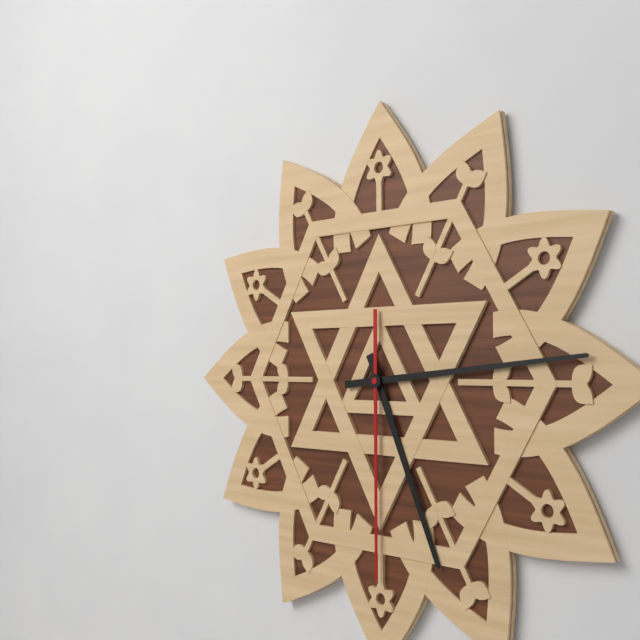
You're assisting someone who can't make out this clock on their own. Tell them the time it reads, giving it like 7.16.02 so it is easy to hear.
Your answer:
5.14.30
